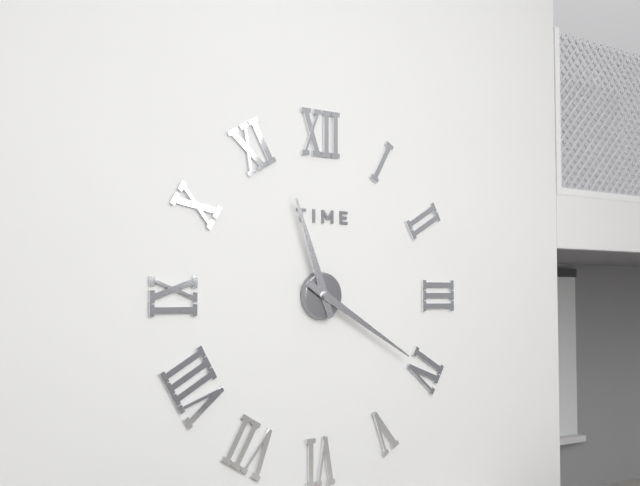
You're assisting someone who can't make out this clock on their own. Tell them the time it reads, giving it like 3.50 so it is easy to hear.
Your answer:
11.20
